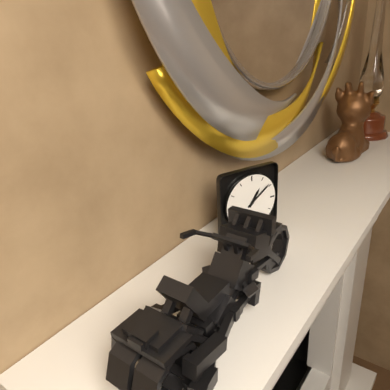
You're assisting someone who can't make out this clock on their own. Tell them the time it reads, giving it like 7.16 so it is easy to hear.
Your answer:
1.09
